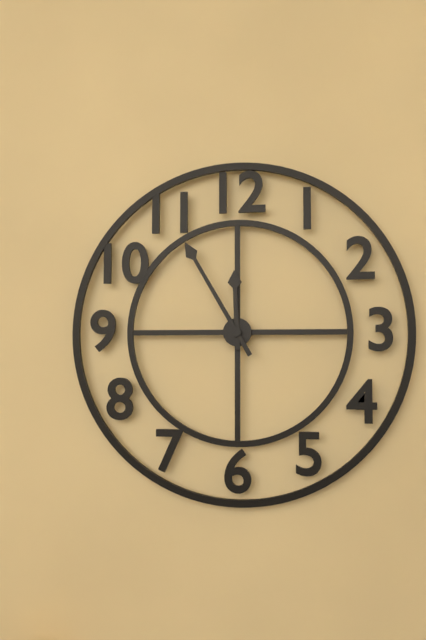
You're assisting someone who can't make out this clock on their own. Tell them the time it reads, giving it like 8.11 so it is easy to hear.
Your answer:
11.55
